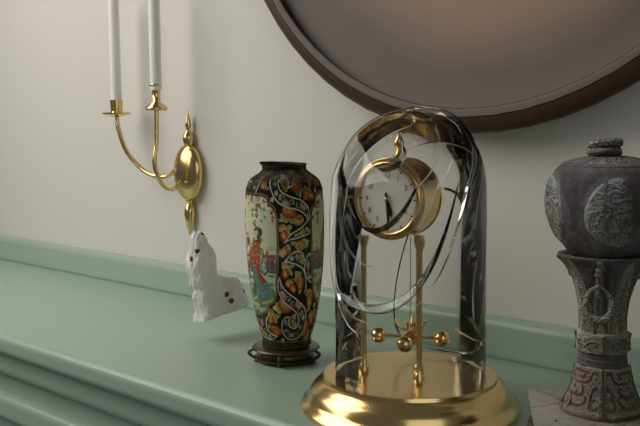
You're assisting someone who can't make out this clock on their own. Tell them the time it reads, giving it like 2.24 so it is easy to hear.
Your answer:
5.29
